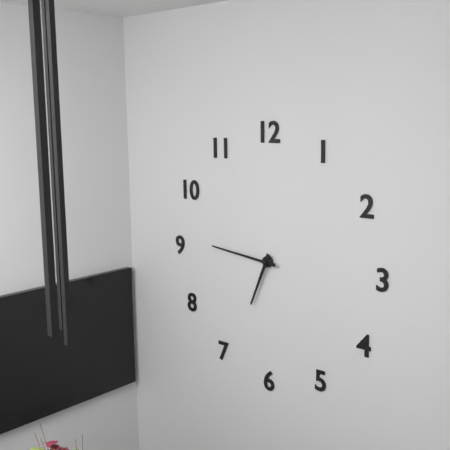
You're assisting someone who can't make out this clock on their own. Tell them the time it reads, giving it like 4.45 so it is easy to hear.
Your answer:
6.46
